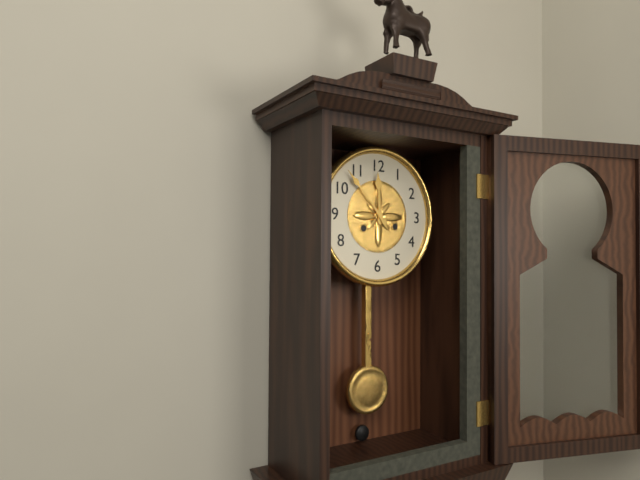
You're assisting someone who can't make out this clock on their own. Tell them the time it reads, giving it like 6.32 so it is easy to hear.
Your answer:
11.53
